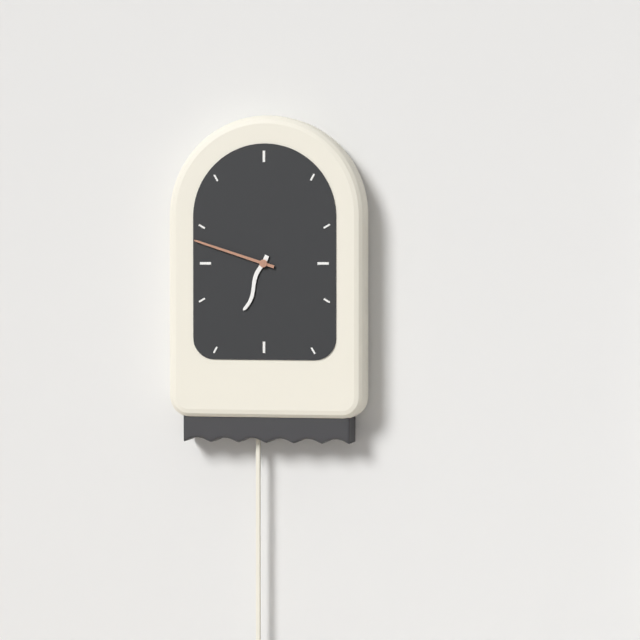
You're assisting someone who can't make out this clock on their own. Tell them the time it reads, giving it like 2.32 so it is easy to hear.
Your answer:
6.48
